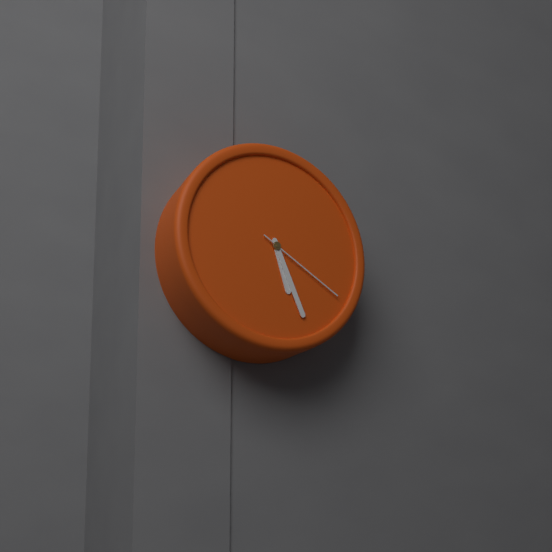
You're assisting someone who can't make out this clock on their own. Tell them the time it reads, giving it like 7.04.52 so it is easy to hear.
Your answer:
5.26.20
